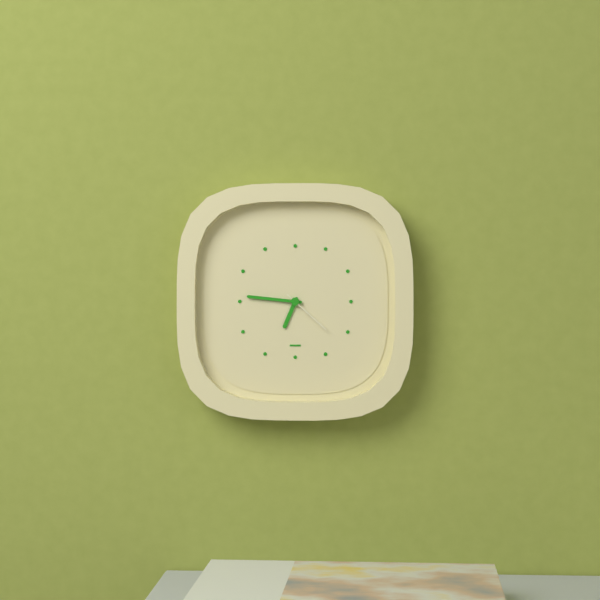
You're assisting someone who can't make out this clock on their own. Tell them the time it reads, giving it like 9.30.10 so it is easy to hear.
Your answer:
6.46.22
